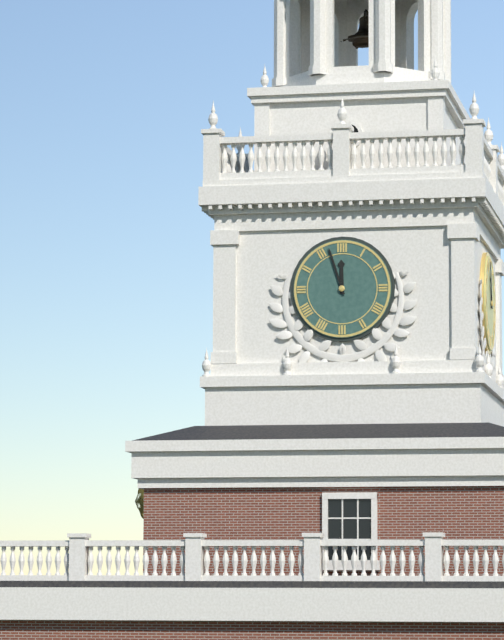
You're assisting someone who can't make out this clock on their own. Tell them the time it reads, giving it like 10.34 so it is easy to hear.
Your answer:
11.57
